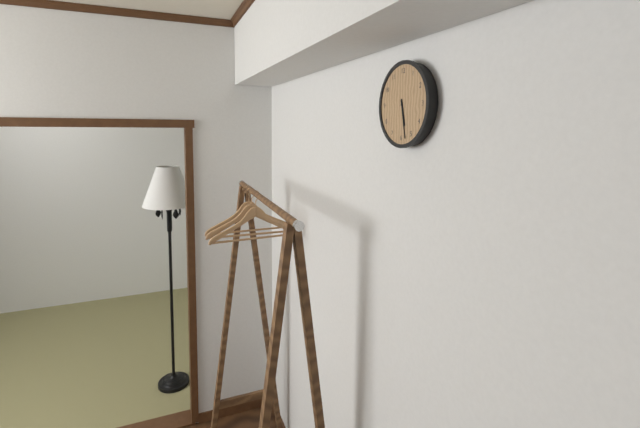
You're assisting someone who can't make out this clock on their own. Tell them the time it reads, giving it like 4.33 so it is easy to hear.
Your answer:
5.28
